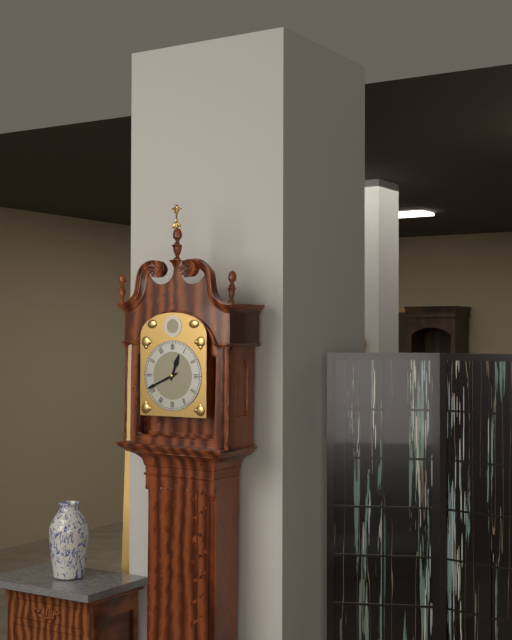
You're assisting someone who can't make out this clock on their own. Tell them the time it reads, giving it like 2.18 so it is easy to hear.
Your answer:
12.41
